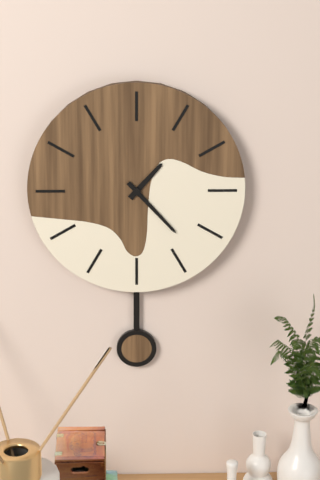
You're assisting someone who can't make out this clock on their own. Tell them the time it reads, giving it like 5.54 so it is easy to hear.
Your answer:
1.23
